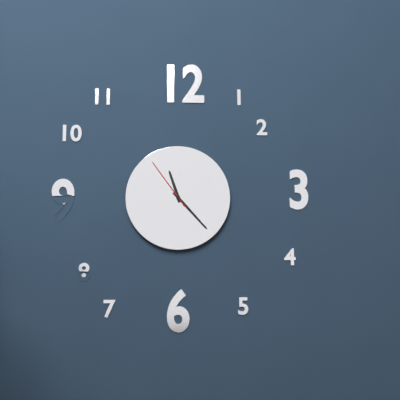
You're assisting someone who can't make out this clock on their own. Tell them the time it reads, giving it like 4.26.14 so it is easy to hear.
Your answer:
11.23.54
